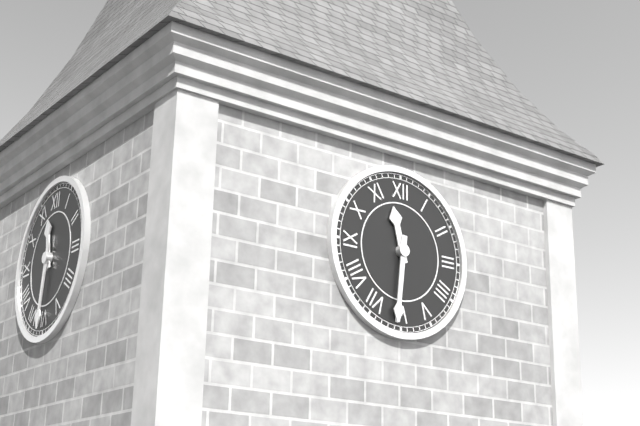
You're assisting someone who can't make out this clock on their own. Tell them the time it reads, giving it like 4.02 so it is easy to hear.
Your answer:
11.31
